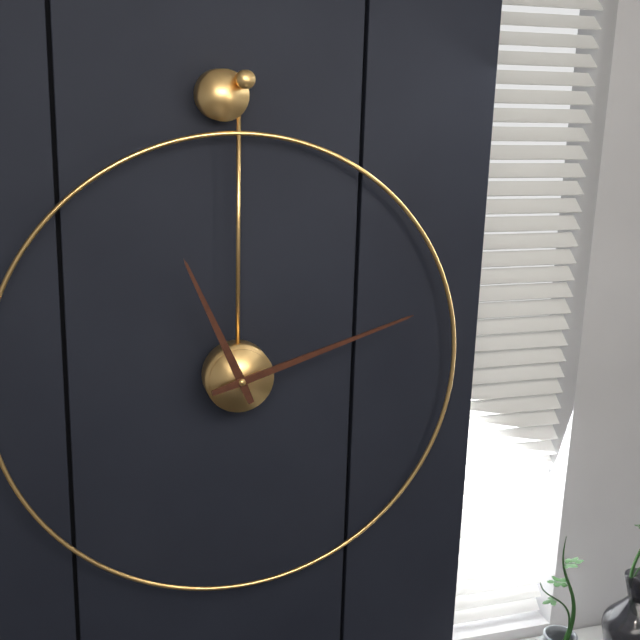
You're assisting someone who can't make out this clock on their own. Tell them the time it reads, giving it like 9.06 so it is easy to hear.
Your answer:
11.12
